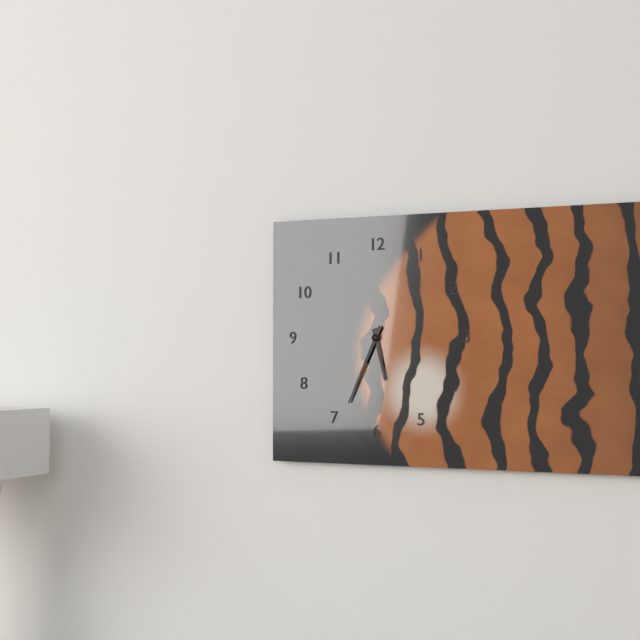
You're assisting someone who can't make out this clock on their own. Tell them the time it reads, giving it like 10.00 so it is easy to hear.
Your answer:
5.34
